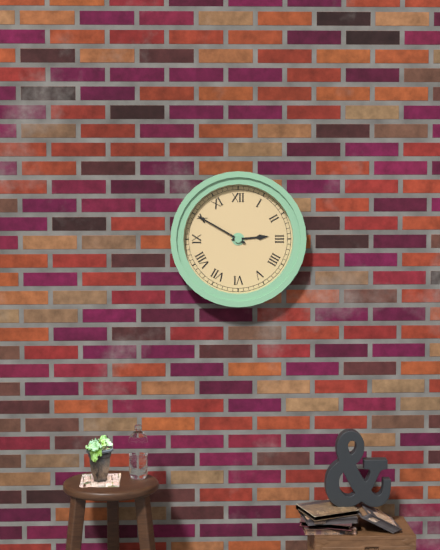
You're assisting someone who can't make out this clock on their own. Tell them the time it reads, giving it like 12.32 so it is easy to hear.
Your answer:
2.50
